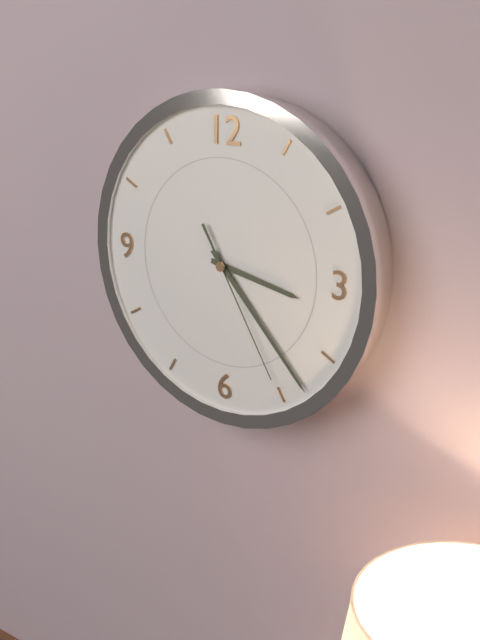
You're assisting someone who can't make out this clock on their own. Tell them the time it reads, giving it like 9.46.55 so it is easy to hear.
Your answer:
3.23.25
